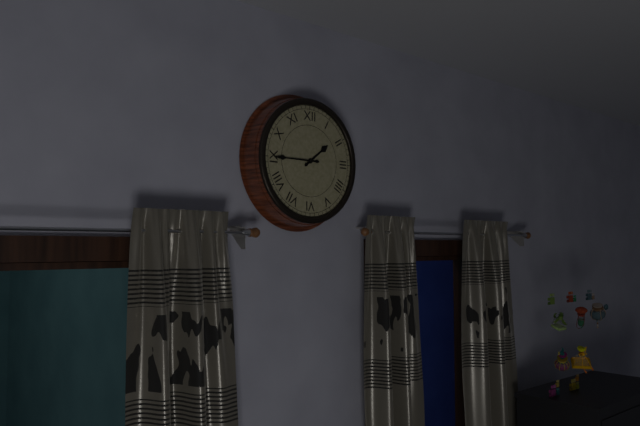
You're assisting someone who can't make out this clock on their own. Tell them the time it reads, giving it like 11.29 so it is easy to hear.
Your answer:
1.45
